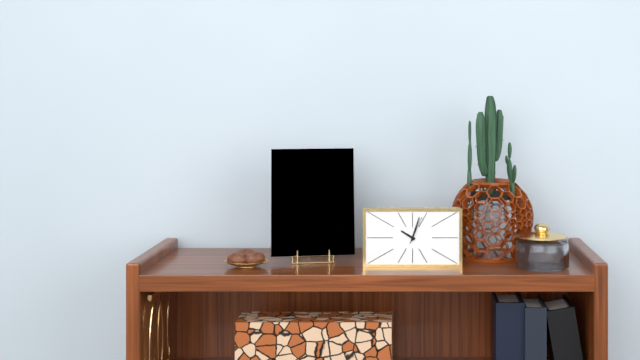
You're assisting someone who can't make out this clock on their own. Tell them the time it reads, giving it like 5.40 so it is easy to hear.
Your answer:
10.03
